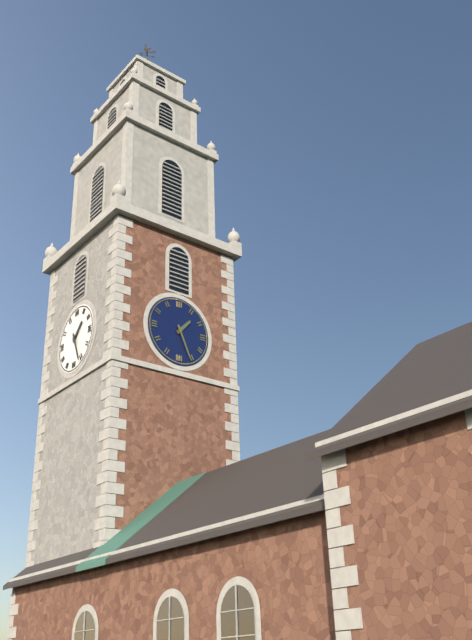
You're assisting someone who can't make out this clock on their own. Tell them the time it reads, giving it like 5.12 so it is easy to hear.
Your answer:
1.26
